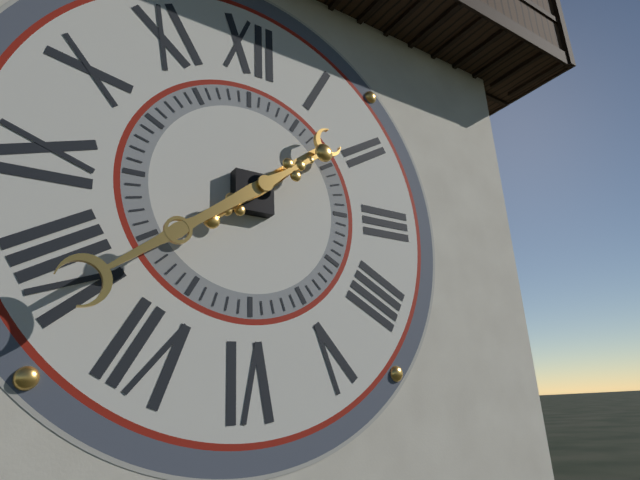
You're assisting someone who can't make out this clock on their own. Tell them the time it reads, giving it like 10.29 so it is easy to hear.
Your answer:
1.39
